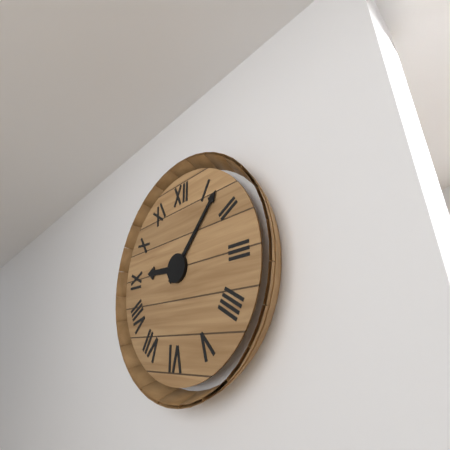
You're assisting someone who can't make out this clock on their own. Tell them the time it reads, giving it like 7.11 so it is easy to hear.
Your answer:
9.07
